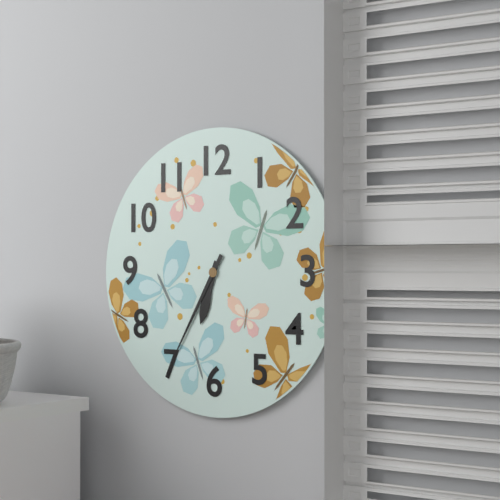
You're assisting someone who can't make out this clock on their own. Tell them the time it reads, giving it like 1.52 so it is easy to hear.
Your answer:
6.35
